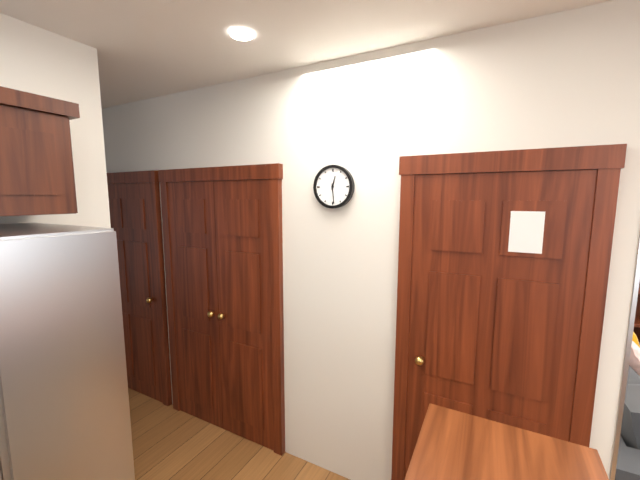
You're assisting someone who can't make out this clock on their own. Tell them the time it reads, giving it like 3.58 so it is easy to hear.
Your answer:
12.29
